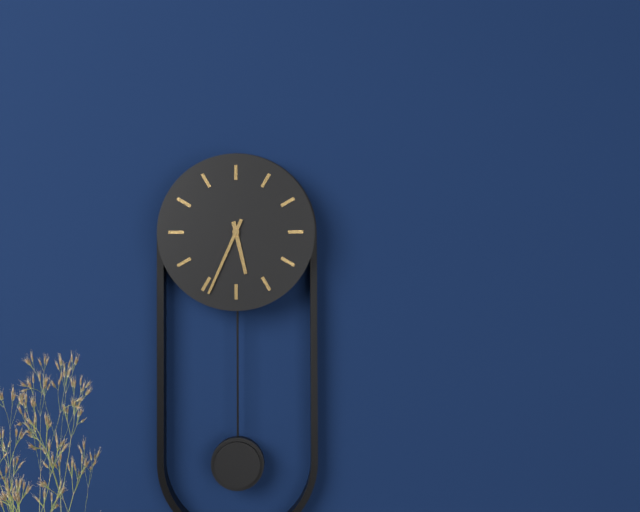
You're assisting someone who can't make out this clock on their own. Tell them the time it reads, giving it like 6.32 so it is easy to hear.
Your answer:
5.34
